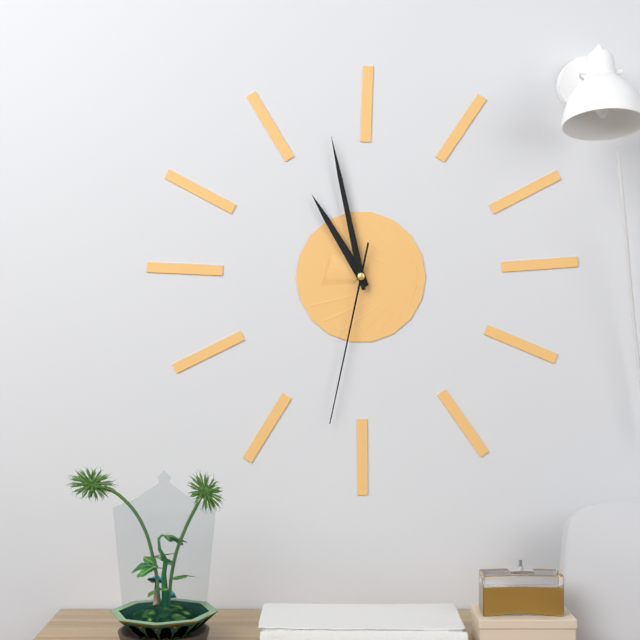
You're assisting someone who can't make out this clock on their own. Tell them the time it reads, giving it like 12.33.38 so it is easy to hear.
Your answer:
10.58.32
